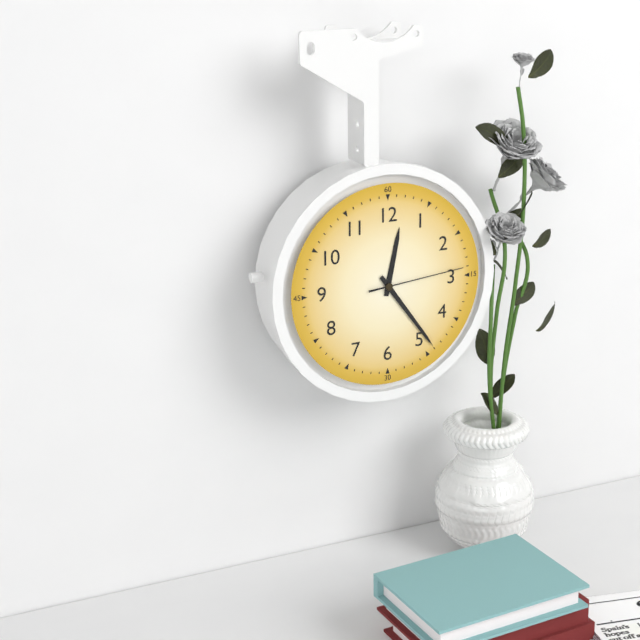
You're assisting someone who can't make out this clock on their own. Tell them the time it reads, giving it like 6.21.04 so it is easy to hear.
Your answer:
12.24.14
